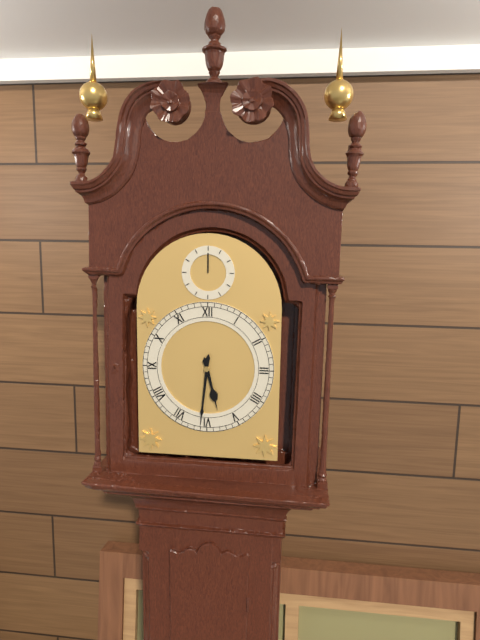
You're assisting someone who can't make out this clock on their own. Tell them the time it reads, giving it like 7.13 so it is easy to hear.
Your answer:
5.31
